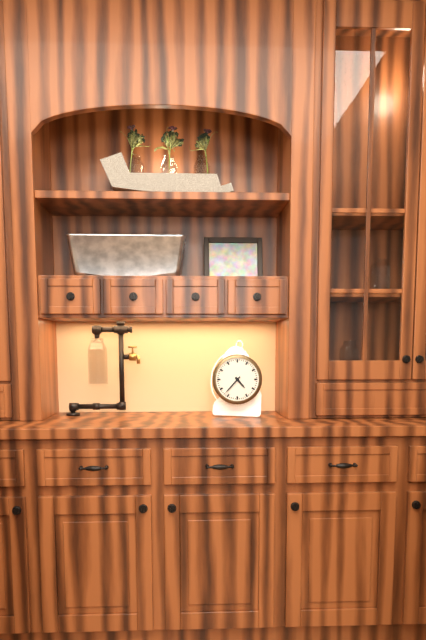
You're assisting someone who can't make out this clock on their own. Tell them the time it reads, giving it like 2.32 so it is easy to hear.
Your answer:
4.37
